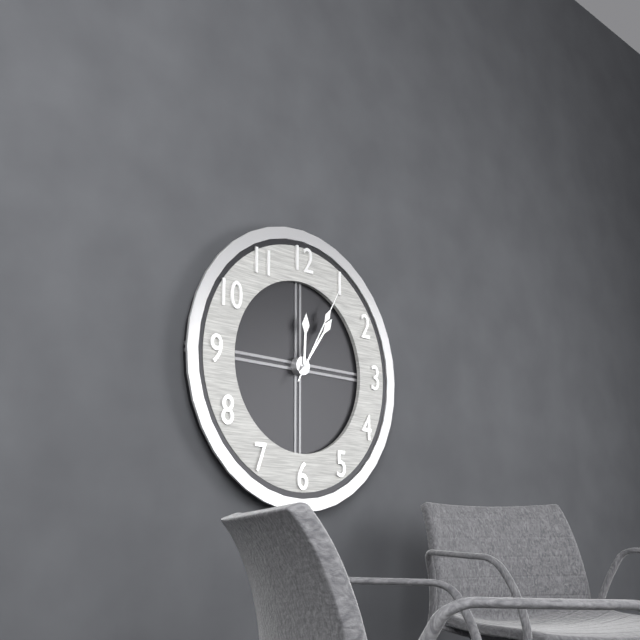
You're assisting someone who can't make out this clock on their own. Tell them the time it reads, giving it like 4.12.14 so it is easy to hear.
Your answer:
12.06.05
